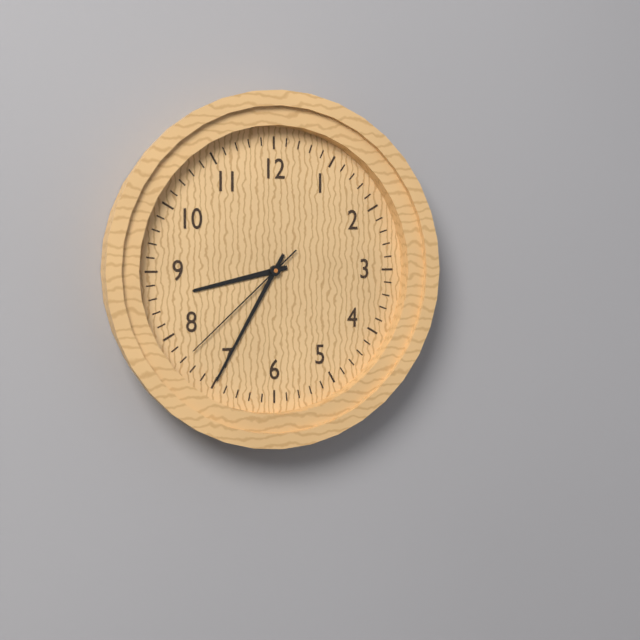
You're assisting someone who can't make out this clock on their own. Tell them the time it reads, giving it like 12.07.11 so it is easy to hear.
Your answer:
8.35.38
